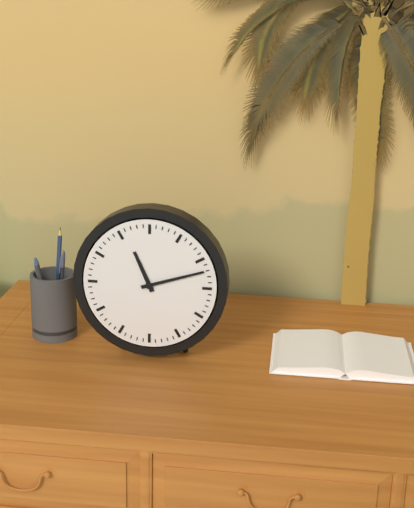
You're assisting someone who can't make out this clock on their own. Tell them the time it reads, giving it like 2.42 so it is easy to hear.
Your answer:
11.12
